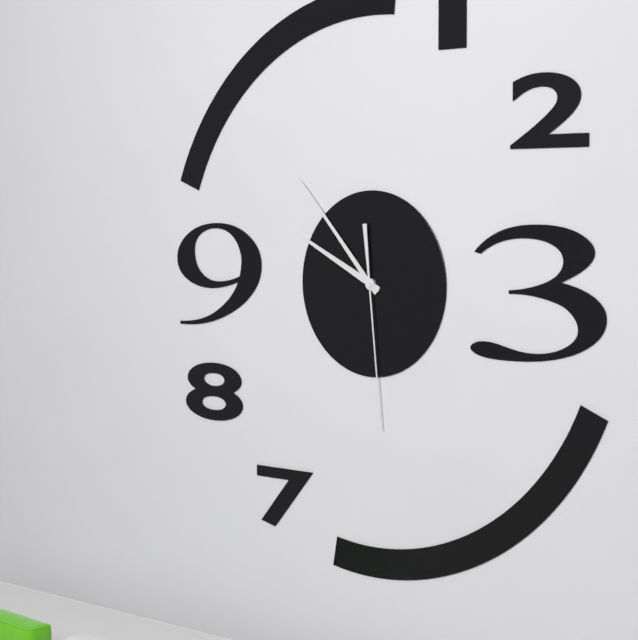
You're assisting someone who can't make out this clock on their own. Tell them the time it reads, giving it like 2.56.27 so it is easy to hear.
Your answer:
9.53.29
